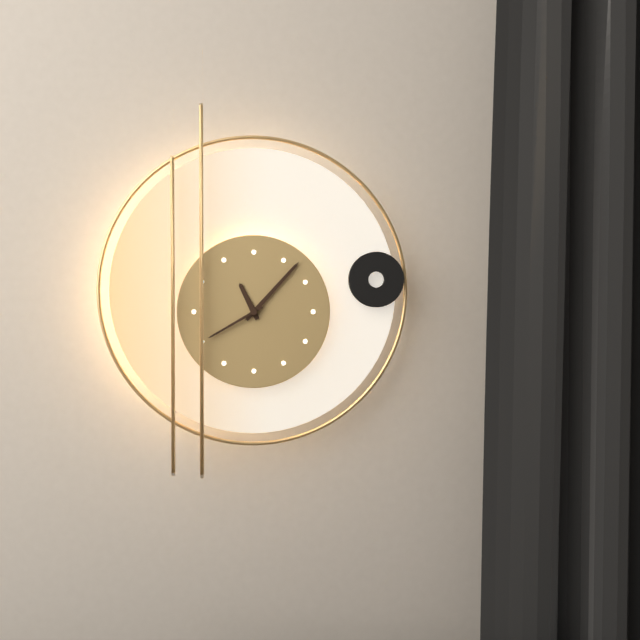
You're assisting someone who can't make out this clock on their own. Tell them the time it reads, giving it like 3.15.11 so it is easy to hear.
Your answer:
11.07.40
